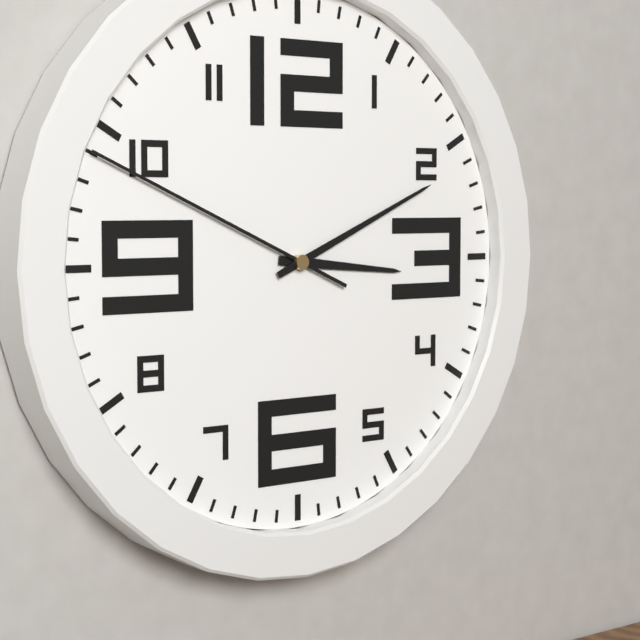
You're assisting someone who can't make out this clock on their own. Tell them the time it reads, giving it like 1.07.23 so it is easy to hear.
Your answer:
3.11.49
